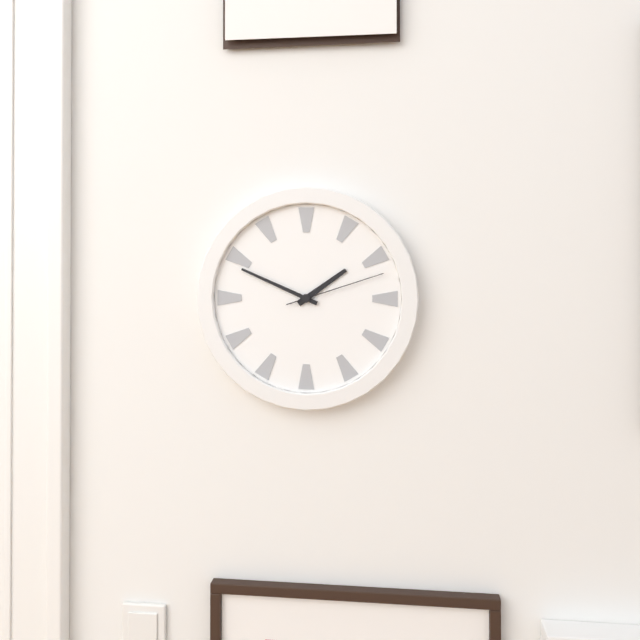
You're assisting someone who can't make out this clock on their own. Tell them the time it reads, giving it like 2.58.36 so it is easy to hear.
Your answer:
1.49.12
